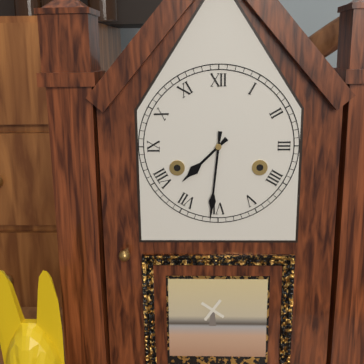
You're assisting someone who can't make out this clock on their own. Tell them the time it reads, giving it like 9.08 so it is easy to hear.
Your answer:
7.31
